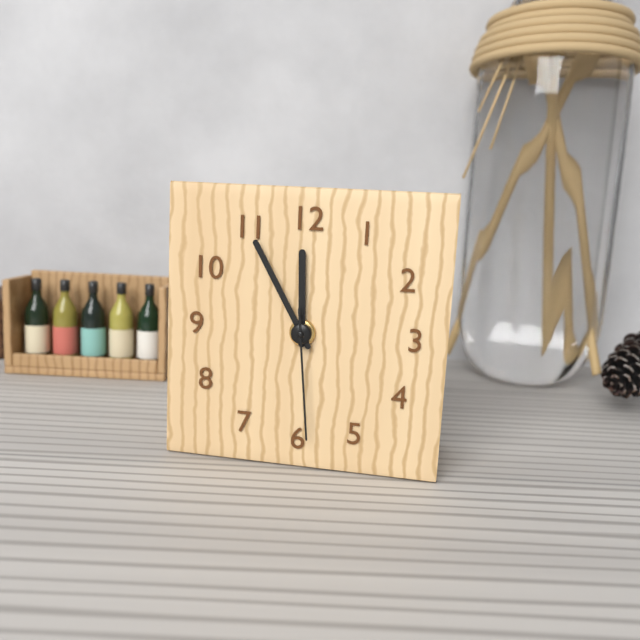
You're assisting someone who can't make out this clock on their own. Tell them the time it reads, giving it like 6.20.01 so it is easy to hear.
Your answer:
11.55.29
